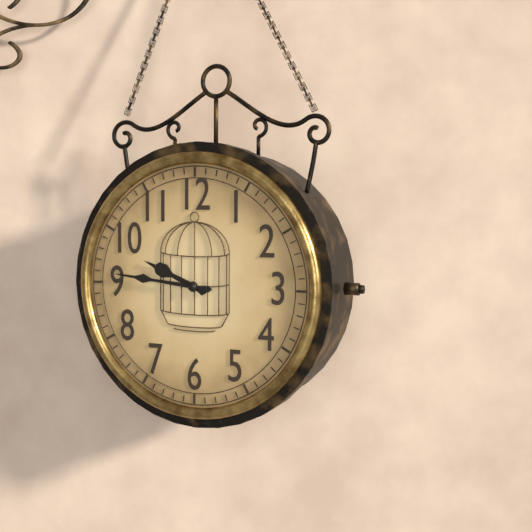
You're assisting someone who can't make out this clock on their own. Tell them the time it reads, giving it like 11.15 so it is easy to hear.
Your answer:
9.46
